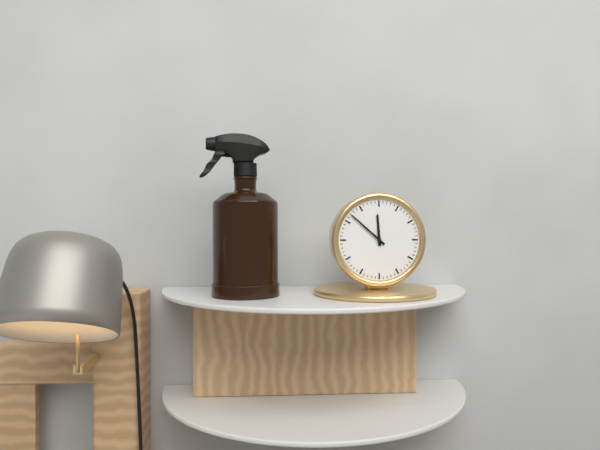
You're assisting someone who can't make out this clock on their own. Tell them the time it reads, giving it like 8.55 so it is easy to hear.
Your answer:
11.52
